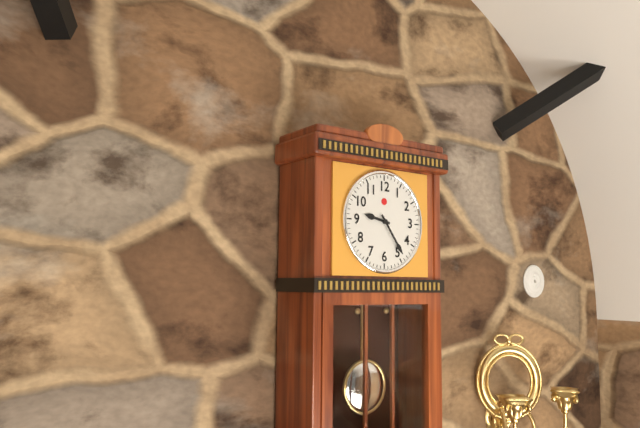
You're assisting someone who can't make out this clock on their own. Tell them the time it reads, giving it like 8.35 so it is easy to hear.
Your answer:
9.24
